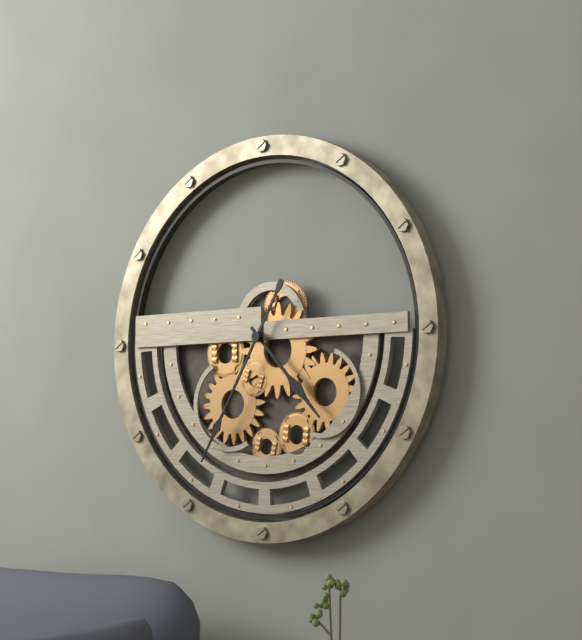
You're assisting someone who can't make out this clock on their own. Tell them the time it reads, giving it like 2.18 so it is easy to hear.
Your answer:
4.35
